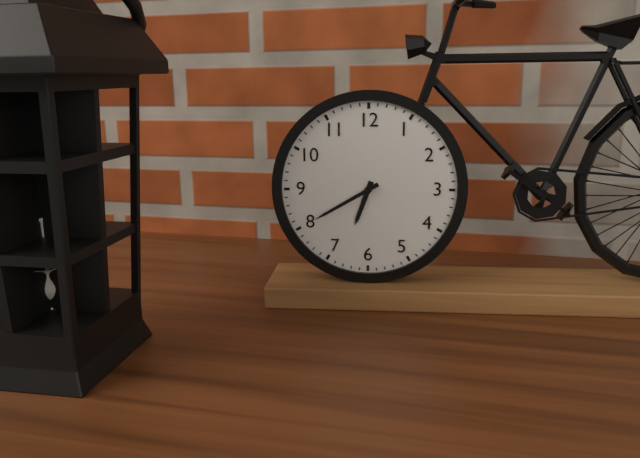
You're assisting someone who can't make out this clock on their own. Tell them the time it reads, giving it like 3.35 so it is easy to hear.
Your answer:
6.40
